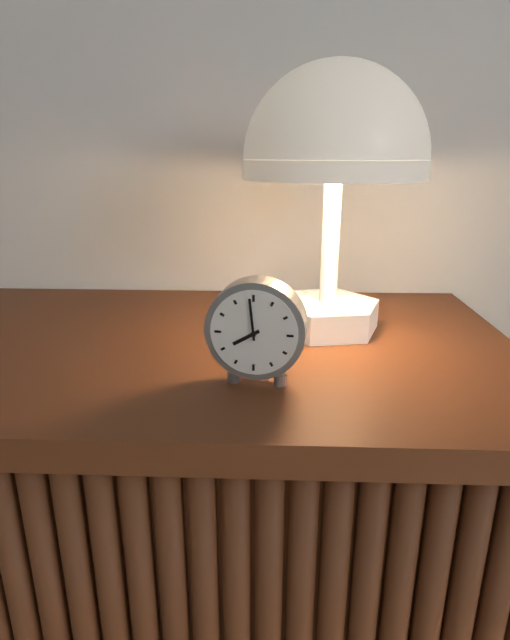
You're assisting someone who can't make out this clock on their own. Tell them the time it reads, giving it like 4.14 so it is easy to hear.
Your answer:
7.59
